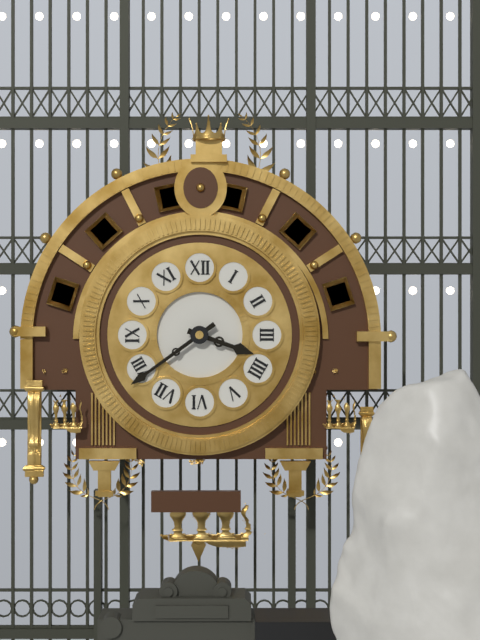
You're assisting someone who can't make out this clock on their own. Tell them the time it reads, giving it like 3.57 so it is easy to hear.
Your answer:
3.39
